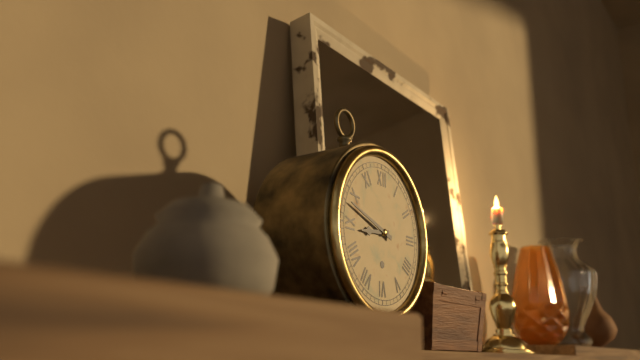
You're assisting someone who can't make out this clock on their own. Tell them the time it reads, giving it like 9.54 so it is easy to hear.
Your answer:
8.48
